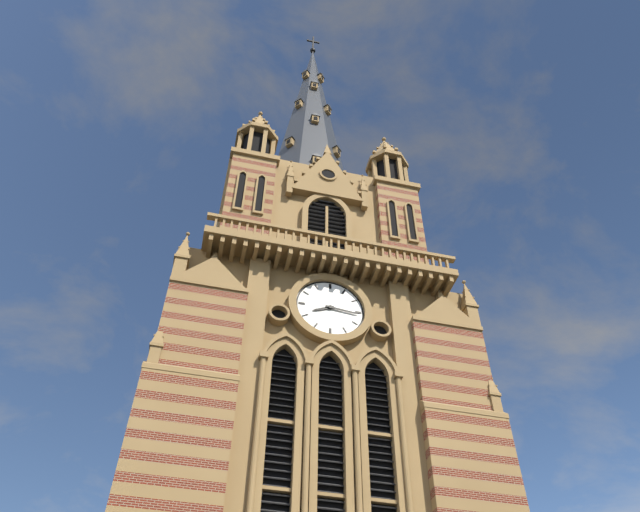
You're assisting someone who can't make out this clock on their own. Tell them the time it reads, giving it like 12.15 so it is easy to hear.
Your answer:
8.16
